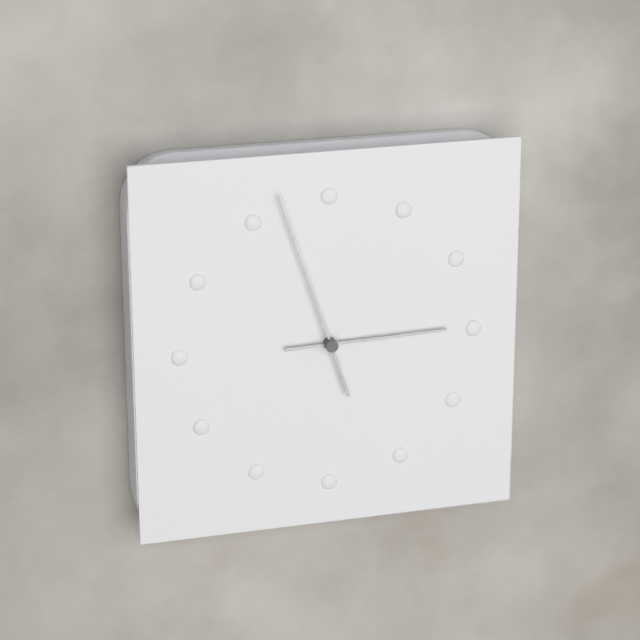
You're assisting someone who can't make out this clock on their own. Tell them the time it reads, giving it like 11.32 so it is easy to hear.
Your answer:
2.57
